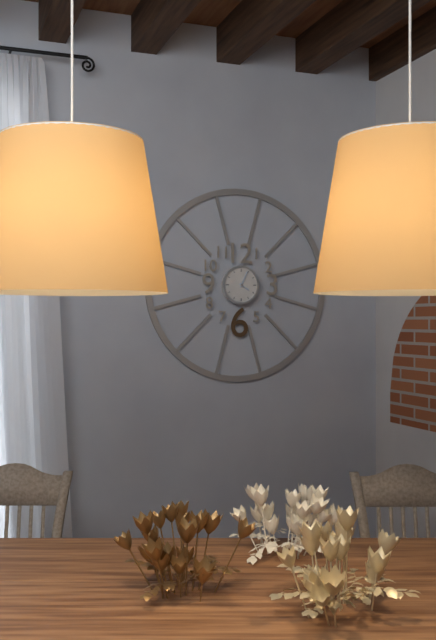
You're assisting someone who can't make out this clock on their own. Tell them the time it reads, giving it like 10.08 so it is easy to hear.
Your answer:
4.04
